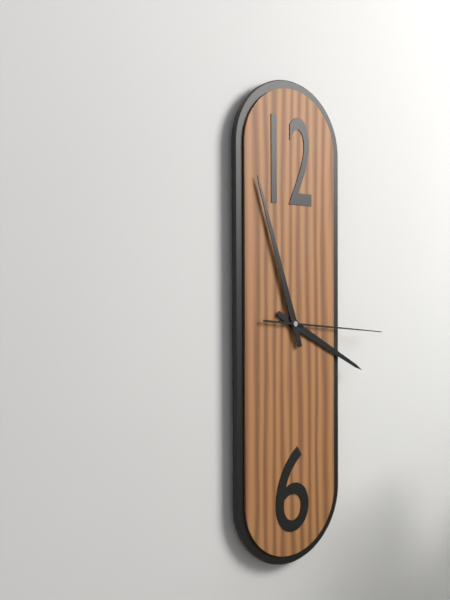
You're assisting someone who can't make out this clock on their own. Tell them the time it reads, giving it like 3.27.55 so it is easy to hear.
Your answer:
3.57.16
